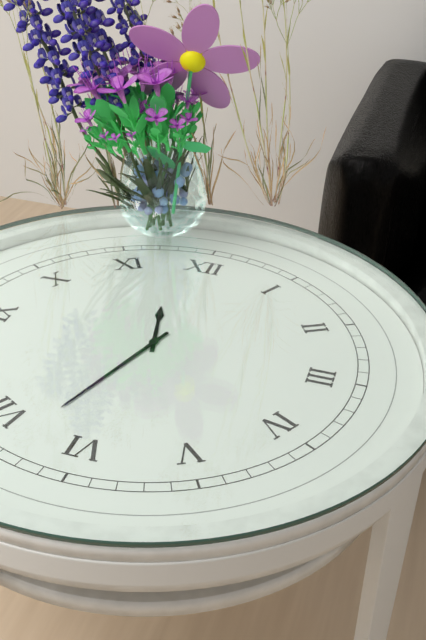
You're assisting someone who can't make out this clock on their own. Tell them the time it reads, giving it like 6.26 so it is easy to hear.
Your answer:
11.33
